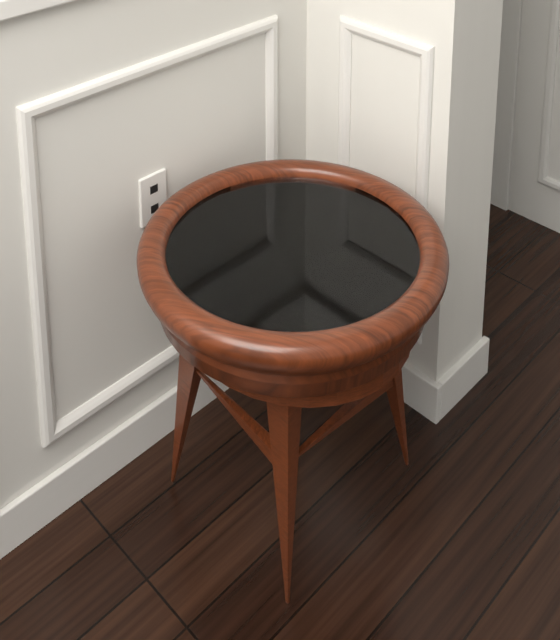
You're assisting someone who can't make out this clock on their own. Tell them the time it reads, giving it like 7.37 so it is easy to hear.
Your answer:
7.34
